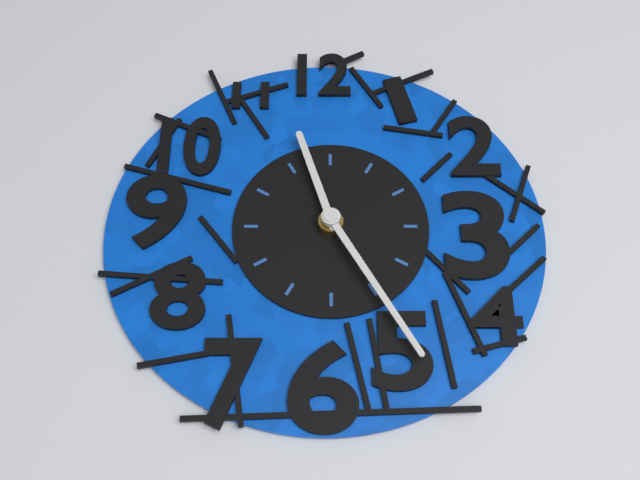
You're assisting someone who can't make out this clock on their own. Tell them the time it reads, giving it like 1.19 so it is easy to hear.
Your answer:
11.25
